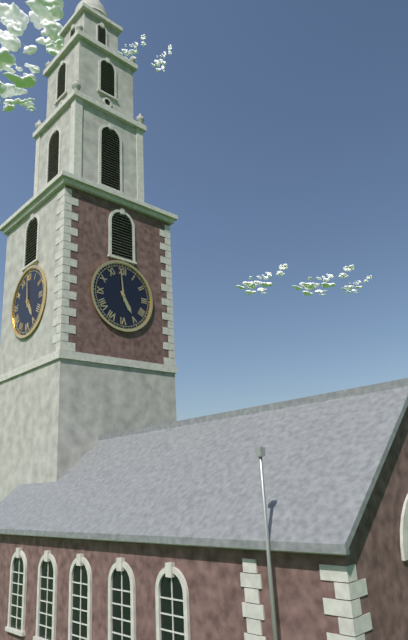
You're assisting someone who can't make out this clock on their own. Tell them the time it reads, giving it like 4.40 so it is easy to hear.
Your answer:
4.59
